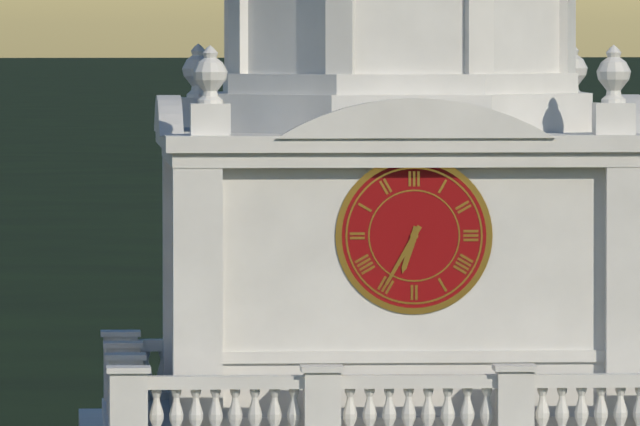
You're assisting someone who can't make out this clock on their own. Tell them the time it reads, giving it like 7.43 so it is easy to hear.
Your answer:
6.35
